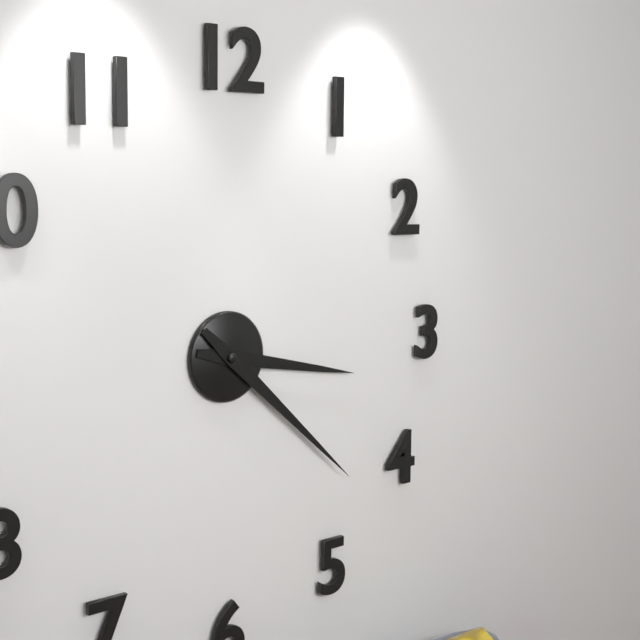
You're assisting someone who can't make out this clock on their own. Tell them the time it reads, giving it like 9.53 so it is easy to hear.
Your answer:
3.22
